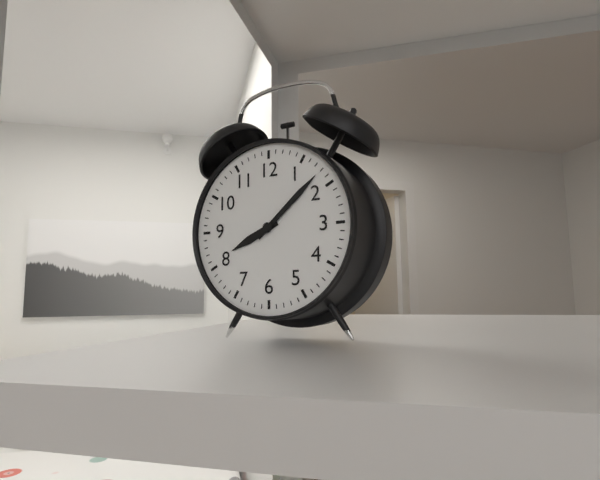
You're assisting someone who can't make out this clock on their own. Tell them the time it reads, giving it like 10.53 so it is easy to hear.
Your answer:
8.08
